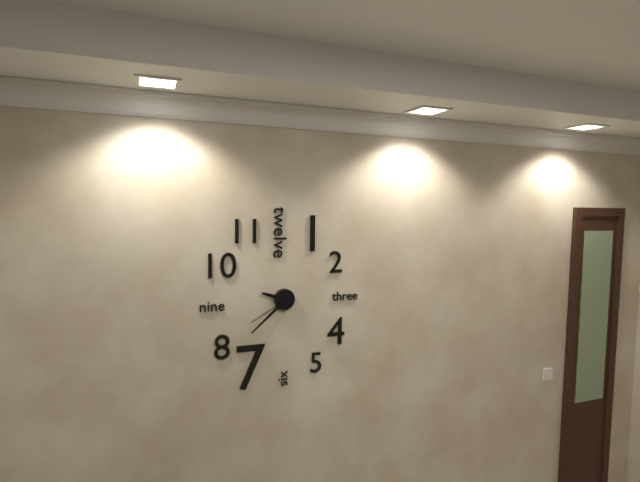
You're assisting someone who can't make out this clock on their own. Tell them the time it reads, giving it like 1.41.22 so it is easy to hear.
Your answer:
9.38.40
